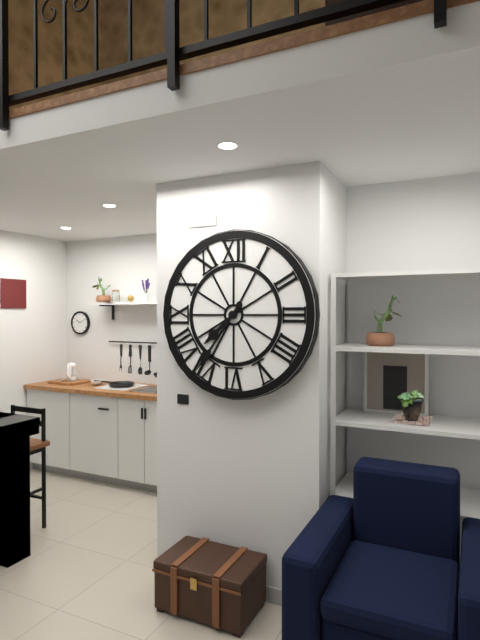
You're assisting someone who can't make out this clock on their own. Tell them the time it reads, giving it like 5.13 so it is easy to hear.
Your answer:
7.36
